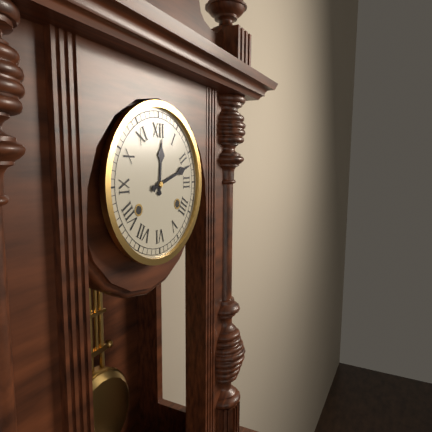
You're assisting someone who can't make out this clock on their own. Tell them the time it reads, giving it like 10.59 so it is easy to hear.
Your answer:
12.12
